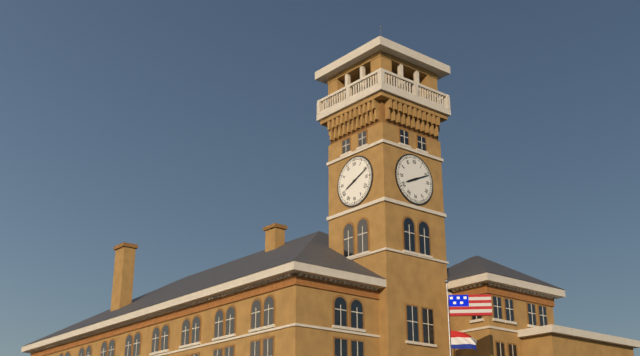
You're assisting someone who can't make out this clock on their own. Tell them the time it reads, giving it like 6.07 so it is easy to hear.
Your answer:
8.11
